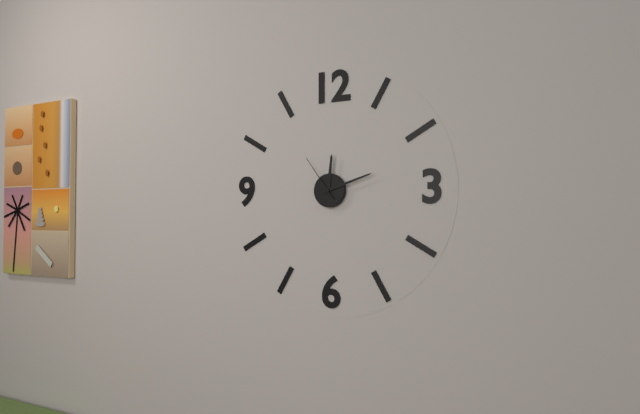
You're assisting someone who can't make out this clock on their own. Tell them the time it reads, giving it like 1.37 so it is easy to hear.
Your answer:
12.12
